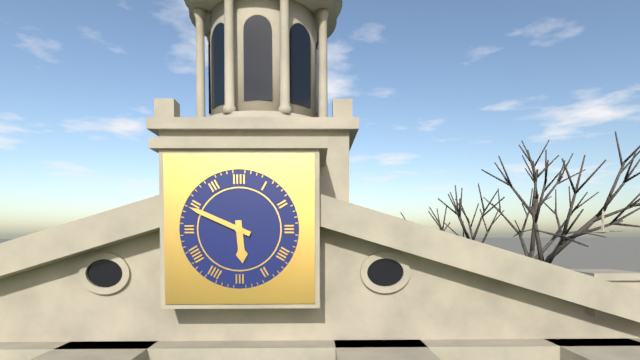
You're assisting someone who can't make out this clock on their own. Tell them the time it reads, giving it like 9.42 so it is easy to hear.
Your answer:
5.49
